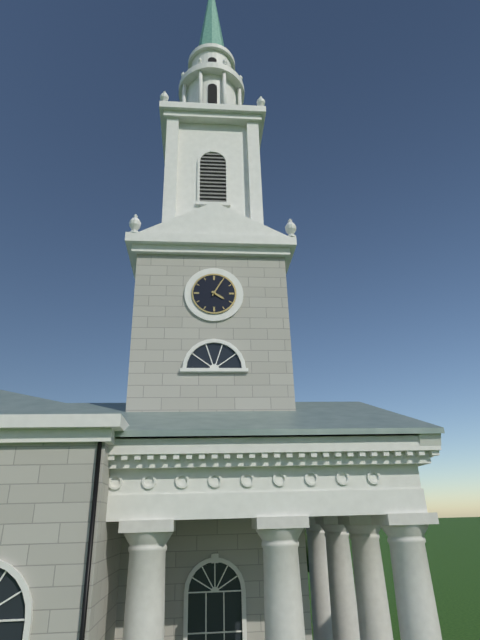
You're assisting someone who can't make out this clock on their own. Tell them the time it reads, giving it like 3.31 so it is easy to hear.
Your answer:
4.05
